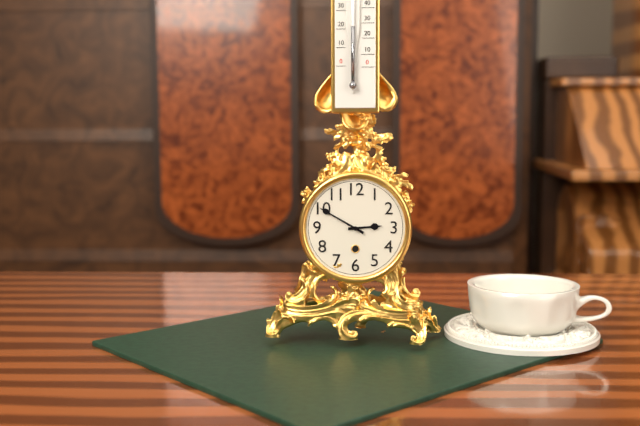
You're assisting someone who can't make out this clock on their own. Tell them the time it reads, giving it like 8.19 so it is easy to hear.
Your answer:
2.50
